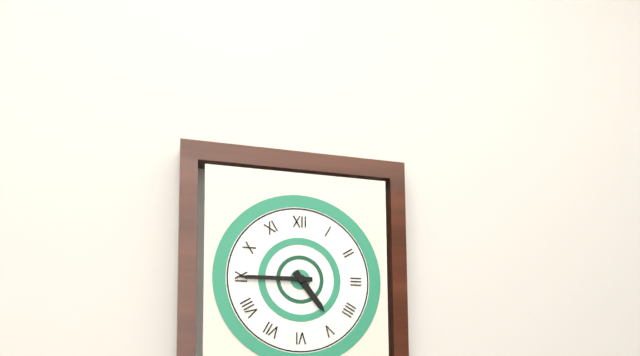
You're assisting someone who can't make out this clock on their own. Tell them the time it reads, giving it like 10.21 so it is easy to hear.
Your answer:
4.45
